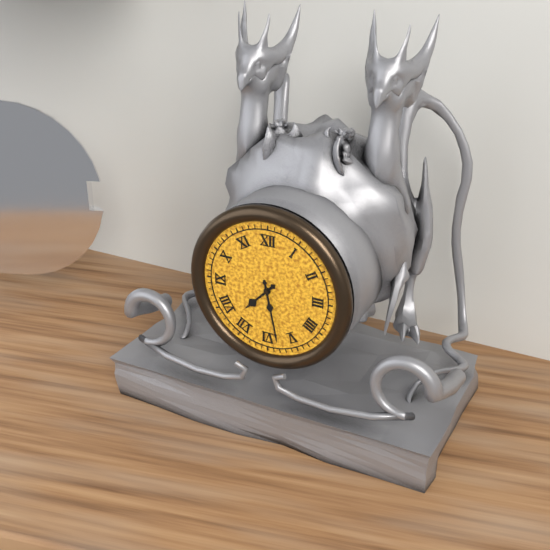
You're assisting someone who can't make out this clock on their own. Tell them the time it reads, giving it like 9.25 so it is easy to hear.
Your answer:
7.28
